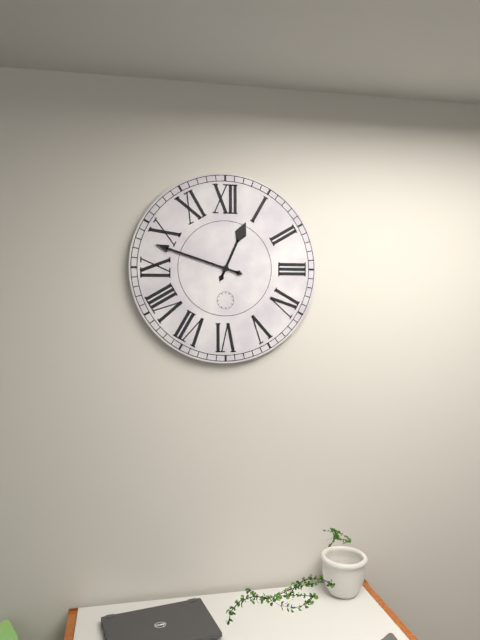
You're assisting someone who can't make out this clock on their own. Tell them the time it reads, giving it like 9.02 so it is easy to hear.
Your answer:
12.48
